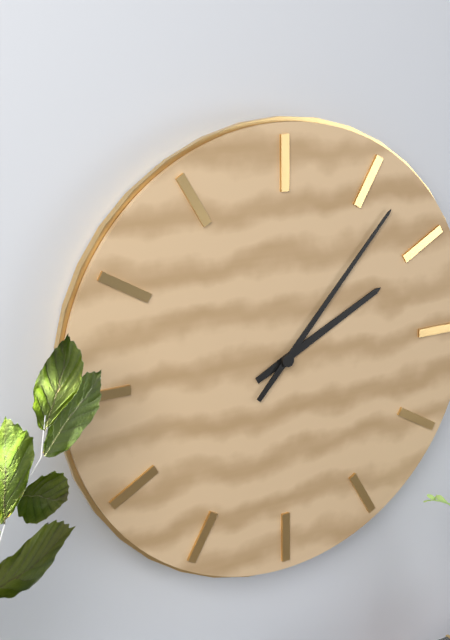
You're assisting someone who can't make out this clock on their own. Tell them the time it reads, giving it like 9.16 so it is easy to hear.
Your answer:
2.07
